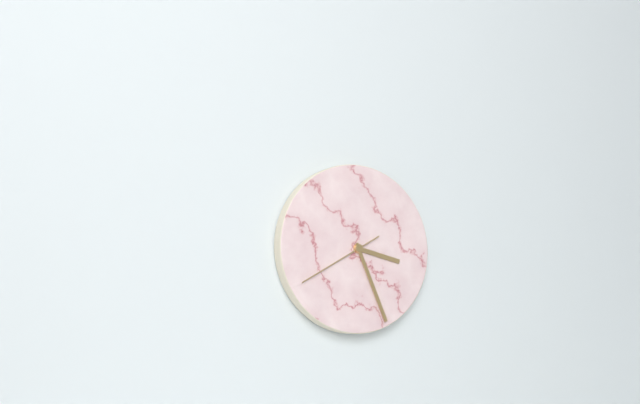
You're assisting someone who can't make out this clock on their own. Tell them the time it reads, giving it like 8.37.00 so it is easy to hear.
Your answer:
3.26.40
